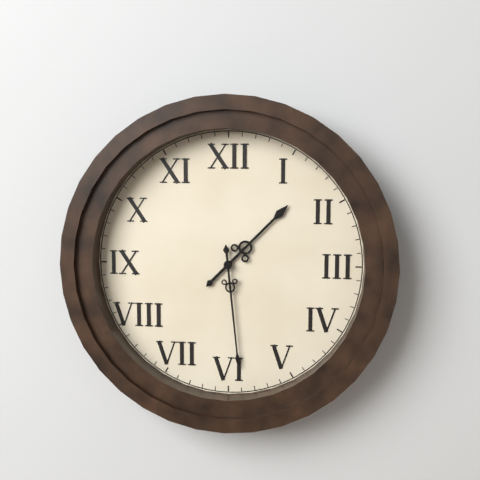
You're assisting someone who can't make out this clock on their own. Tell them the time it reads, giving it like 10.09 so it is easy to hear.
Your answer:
1.29
